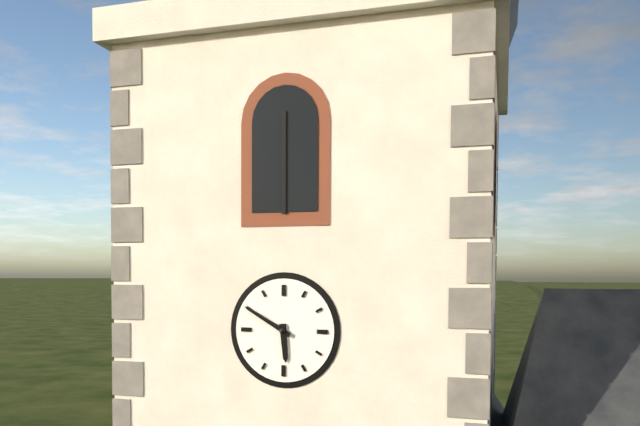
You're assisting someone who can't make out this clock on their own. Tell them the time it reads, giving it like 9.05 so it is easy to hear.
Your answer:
5.50
